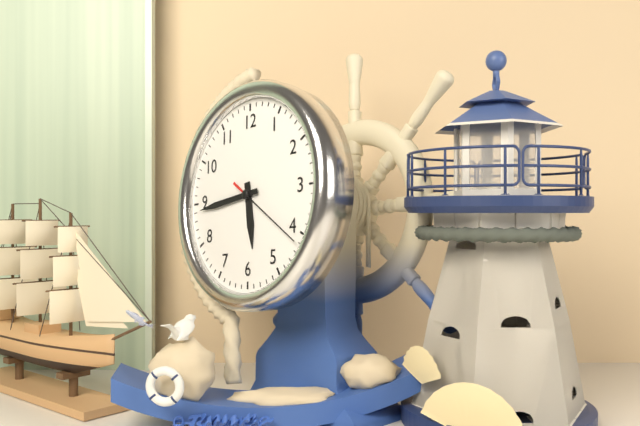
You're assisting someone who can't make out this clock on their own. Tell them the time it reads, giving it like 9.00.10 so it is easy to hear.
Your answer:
5.44.21
